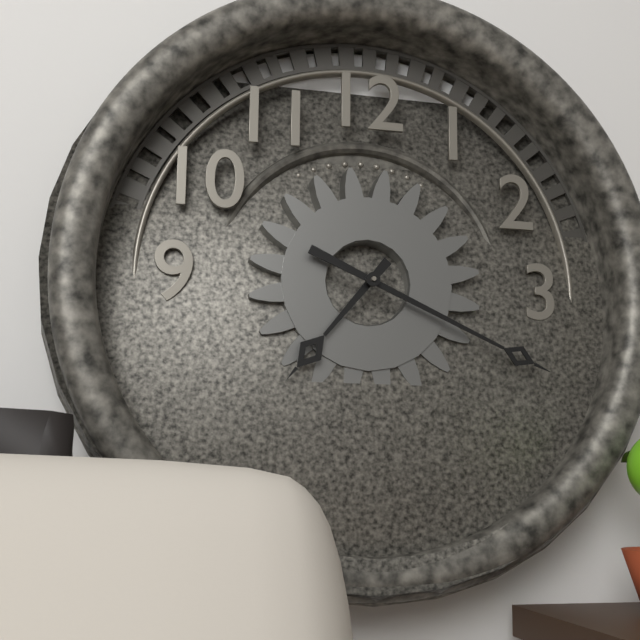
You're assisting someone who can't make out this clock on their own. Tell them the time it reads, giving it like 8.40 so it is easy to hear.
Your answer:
7.19
